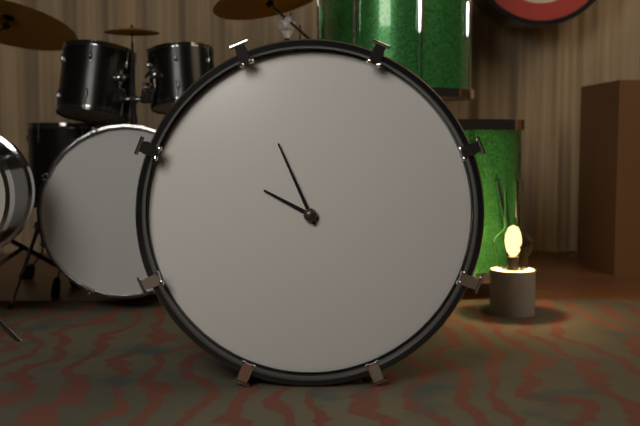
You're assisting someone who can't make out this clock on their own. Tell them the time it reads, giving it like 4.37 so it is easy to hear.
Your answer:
9.56
